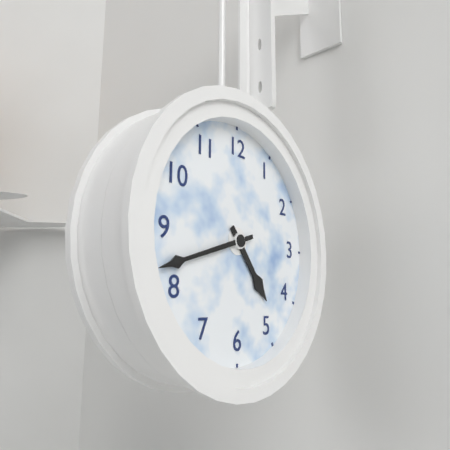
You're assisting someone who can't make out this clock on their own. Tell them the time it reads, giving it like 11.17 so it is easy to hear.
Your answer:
4.42
